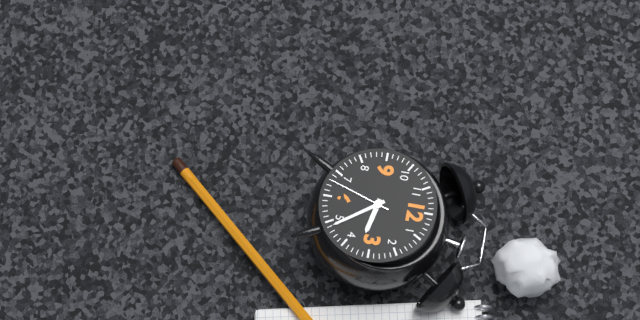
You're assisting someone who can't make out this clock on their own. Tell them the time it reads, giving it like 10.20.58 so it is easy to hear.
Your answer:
3.24.33
